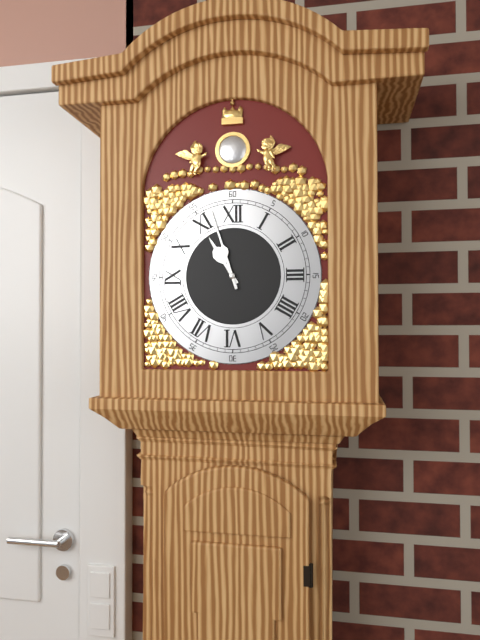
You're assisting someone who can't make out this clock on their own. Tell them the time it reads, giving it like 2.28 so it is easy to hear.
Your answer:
10.57
